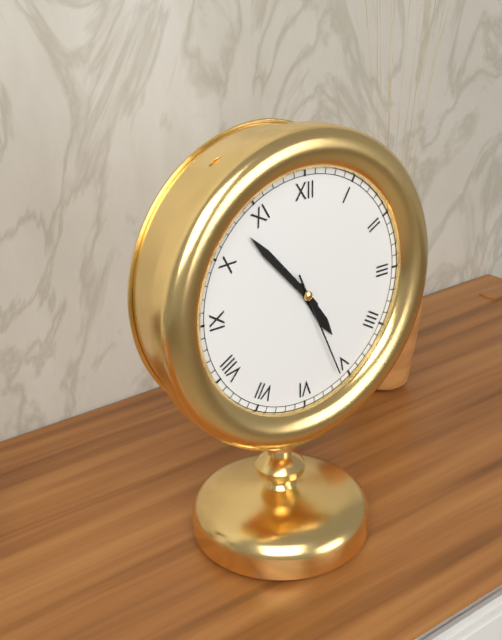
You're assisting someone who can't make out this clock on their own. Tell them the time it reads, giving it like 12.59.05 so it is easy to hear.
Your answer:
4.53.26
